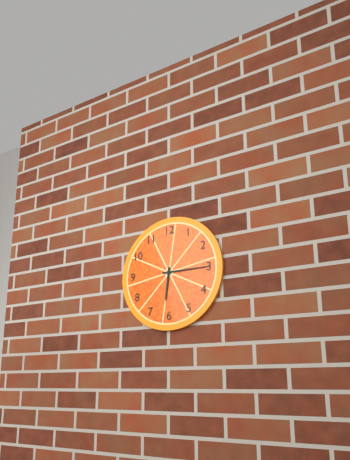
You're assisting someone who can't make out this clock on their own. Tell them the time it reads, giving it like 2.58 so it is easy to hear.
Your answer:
6.15
